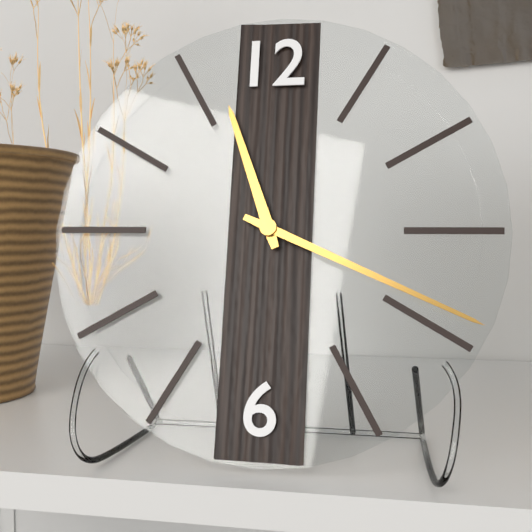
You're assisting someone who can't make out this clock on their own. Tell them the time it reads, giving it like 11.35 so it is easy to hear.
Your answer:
11.19
